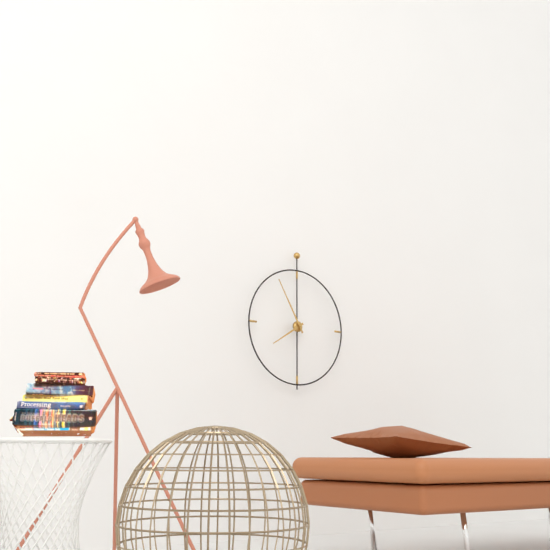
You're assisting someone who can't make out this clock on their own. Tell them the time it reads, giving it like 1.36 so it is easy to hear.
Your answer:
7.55
